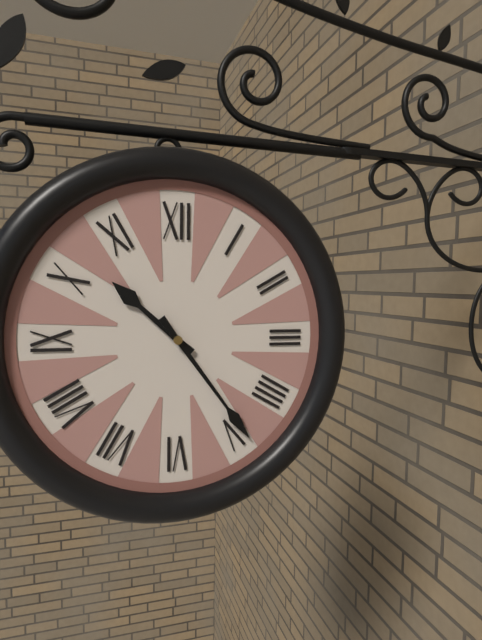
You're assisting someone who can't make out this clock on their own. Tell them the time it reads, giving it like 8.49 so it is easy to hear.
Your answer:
10.24
